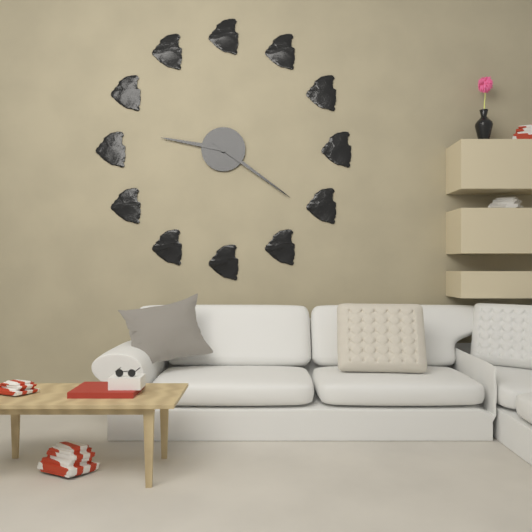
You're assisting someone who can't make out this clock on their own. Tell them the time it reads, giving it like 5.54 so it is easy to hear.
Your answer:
9.21
